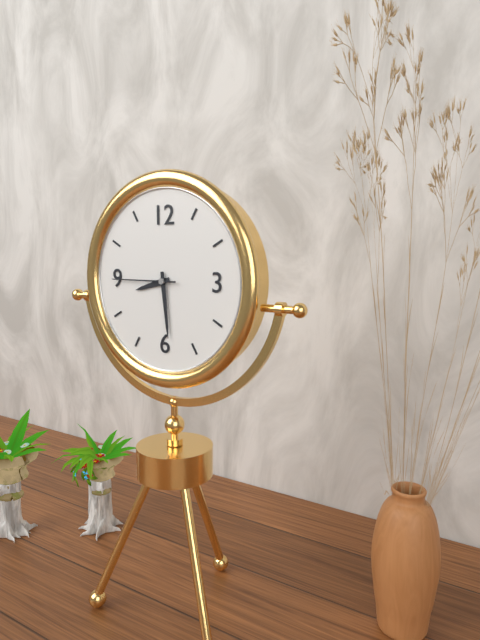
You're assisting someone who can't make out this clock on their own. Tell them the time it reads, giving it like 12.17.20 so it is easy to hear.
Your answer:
8.29.45
